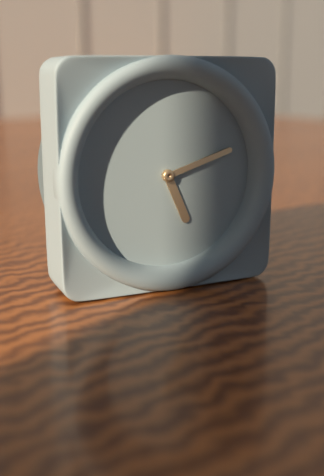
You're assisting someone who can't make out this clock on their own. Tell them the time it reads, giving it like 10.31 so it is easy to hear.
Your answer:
5.12
